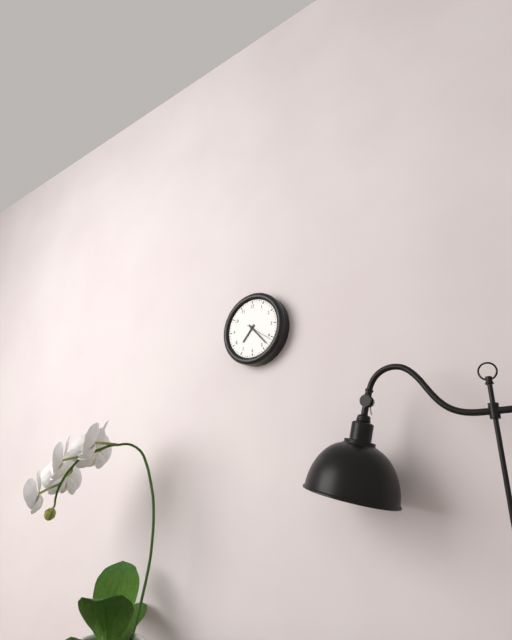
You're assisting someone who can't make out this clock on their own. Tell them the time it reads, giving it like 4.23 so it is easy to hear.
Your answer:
7.23
